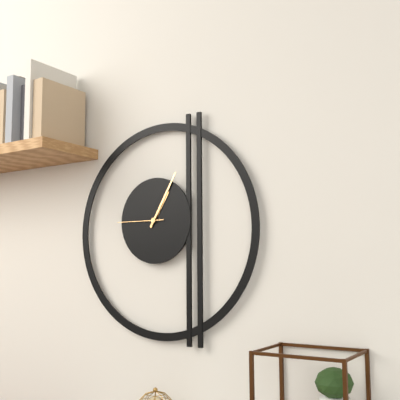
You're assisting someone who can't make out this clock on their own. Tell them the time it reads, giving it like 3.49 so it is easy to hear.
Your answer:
1.05
